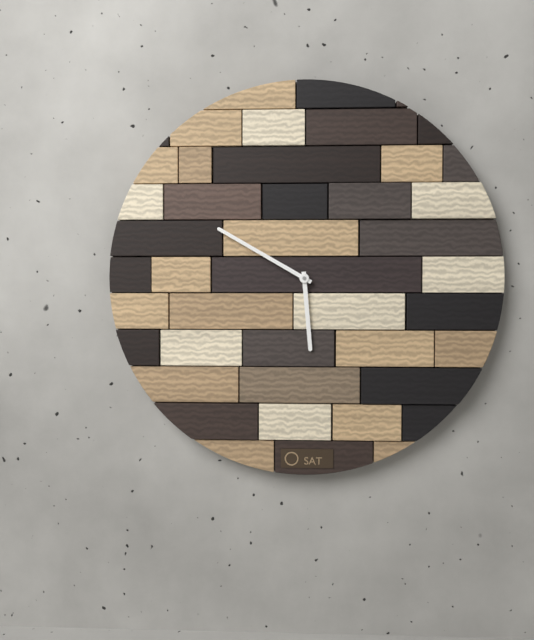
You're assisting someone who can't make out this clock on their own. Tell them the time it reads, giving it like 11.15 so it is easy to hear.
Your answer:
5.50
